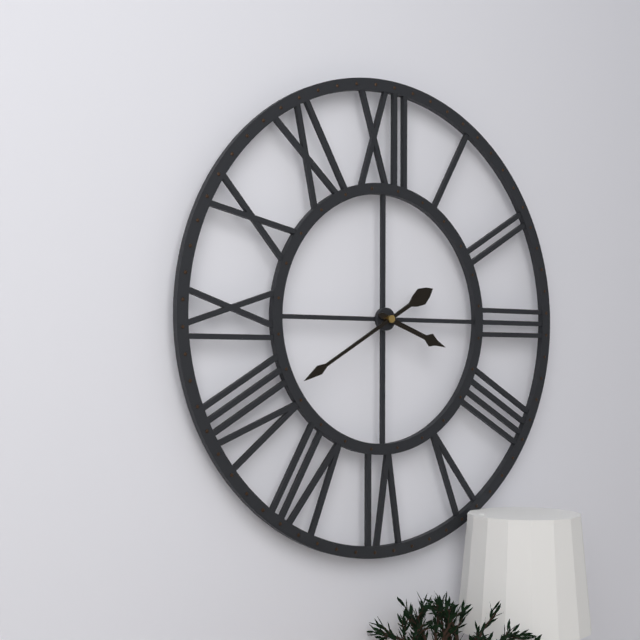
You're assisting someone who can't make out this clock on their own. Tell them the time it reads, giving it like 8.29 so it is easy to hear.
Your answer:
3.40
